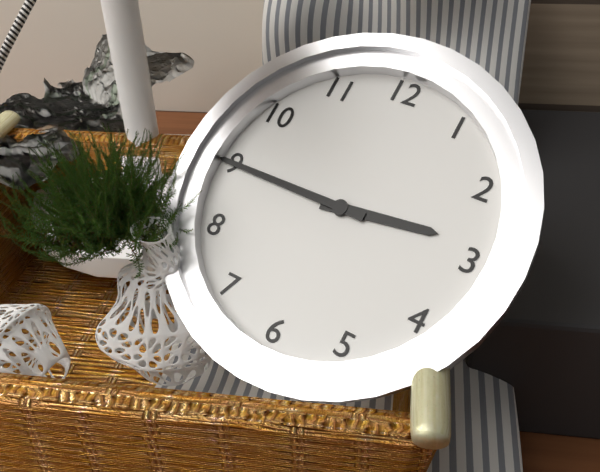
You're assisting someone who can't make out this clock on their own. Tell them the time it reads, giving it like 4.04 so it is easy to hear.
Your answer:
2.45
